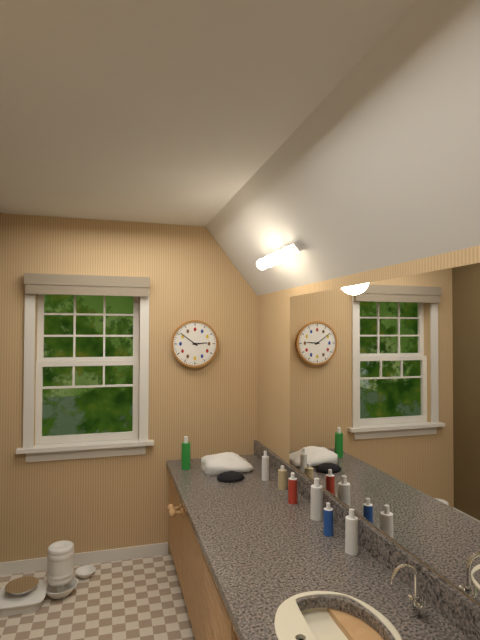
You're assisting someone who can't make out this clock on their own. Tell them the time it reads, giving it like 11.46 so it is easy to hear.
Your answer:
2.51
